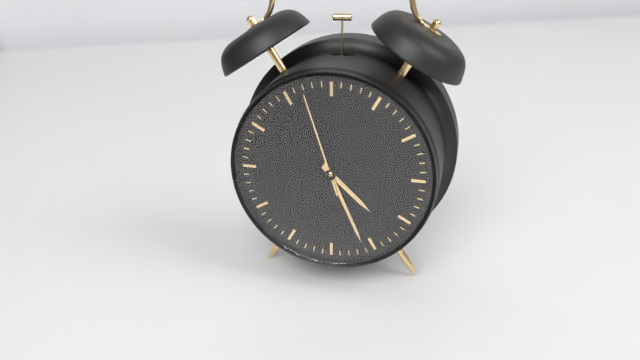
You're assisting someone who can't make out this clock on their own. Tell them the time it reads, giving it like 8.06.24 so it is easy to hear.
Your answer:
4.26.57
